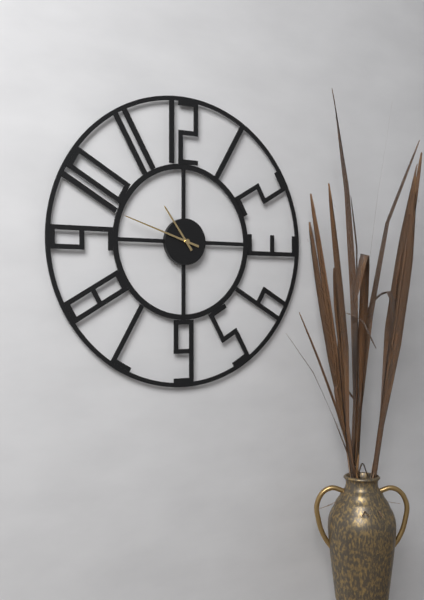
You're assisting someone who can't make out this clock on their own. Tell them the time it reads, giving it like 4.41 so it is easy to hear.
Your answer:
10.48
